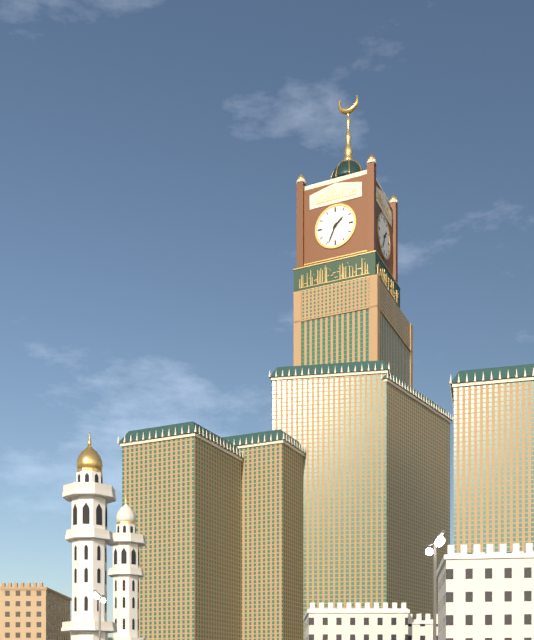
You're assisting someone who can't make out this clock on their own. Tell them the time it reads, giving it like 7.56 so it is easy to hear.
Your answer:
1.34
